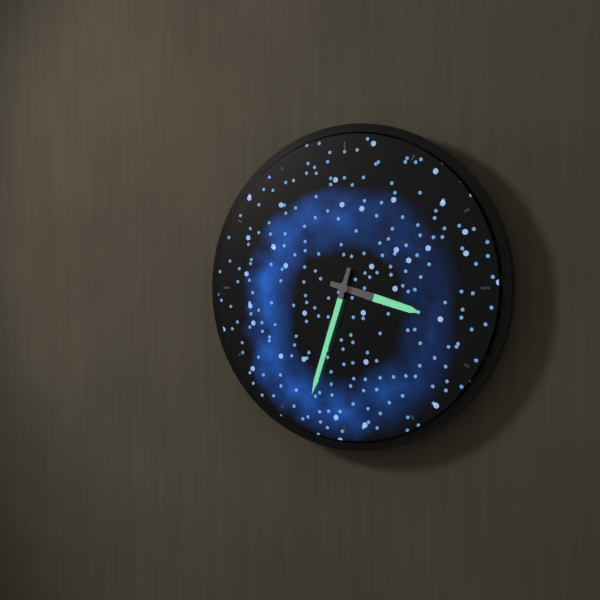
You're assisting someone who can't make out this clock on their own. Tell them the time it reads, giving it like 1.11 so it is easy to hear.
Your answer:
3.33
